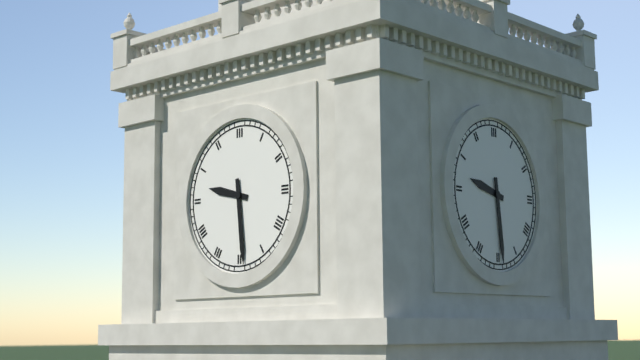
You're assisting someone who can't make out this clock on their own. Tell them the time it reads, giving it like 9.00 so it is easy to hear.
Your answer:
9.29
